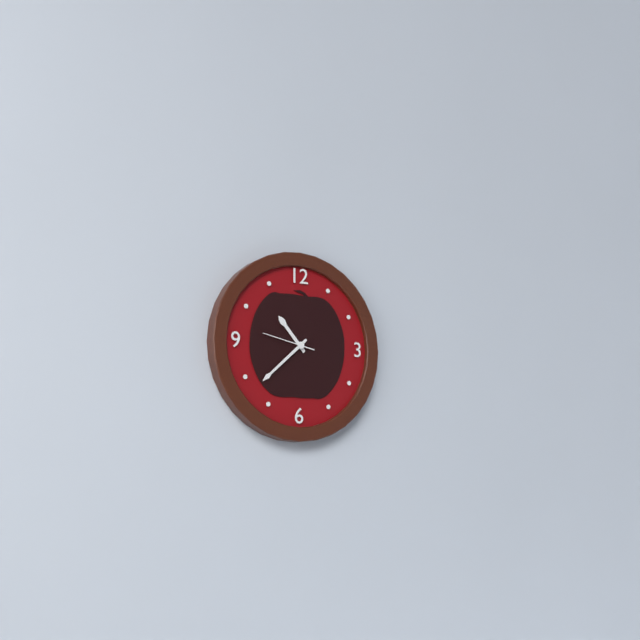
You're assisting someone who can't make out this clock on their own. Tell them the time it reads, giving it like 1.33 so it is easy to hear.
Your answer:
10.38
